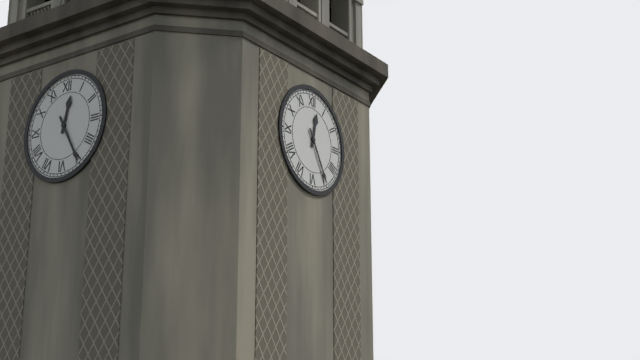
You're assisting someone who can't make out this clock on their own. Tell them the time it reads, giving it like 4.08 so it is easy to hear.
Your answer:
12.25
